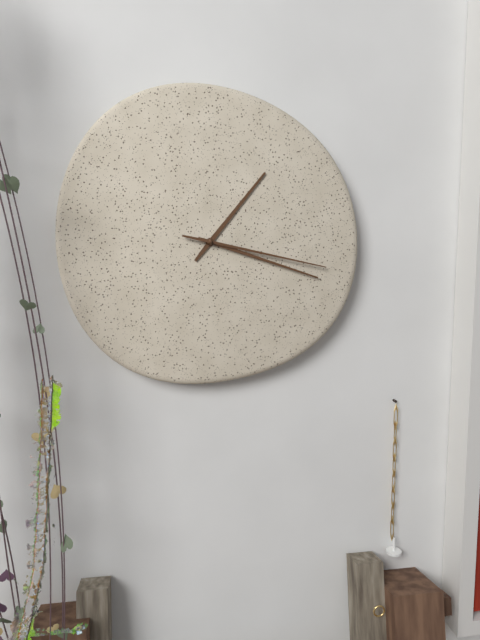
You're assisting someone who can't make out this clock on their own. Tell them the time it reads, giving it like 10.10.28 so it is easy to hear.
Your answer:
1.18.17
